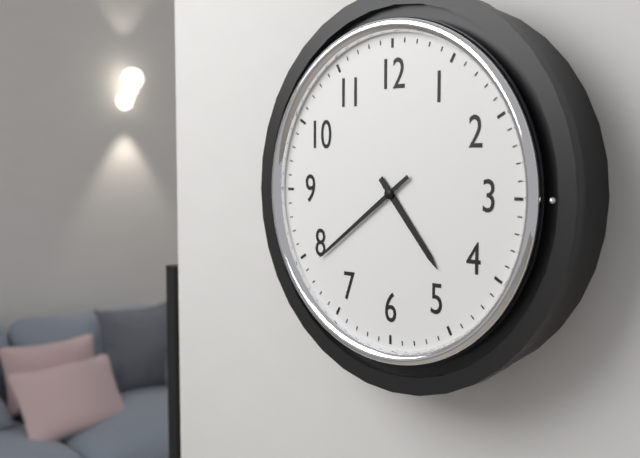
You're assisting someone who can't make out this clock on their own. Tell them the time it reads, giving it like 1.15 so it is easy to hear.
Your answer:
4.39
